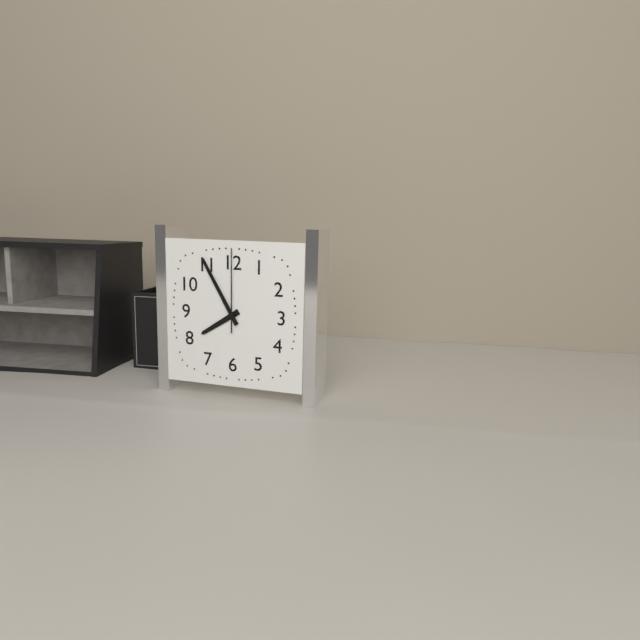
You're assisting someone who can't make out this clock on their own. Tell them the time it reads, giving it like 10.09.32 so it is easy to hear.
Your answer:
7.55.00
